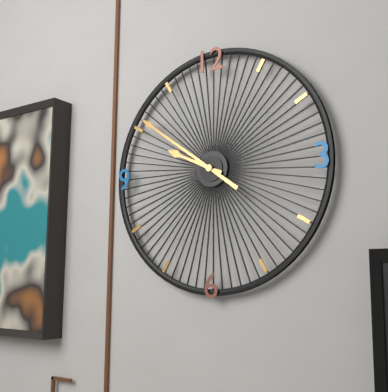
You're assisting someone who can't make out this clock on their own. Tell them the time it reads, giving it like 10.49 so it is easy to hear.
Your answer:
9.51
